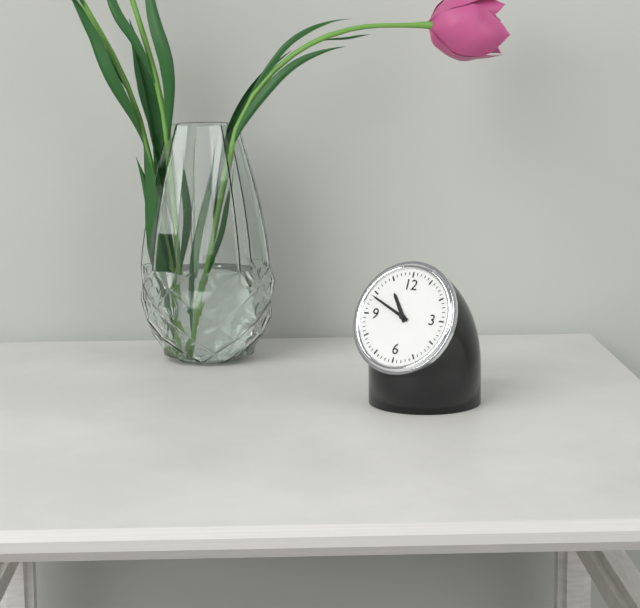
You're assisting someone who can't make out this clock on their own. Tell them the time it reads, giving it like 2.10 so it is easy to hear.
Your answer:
10.49
